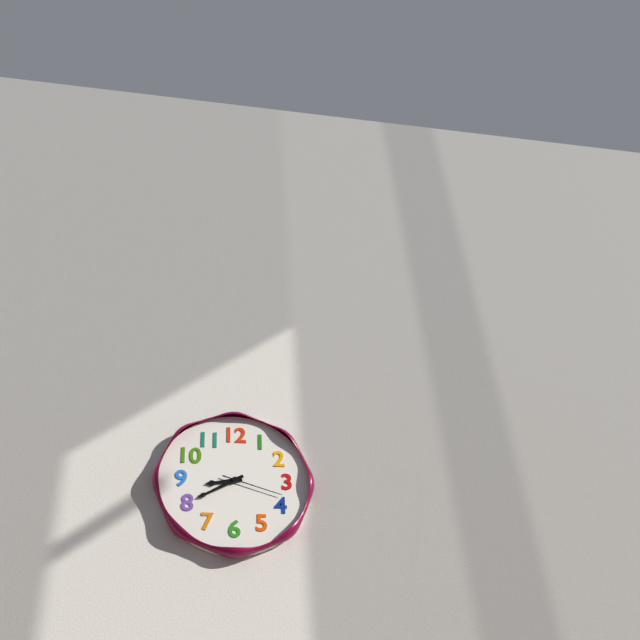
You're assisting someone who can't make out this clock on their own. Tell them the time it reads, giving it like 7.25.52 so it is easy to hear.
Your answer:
8.40.18
